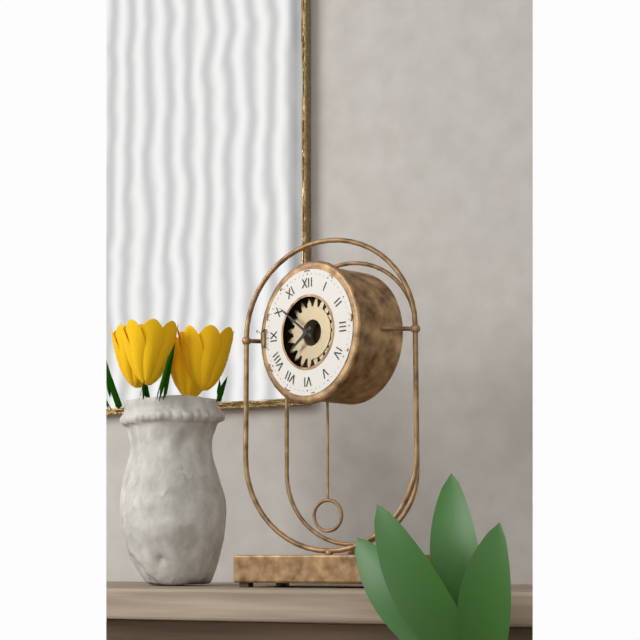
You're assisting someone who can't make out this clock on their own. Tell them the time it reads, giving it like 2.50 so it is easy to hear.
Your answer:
7.51
